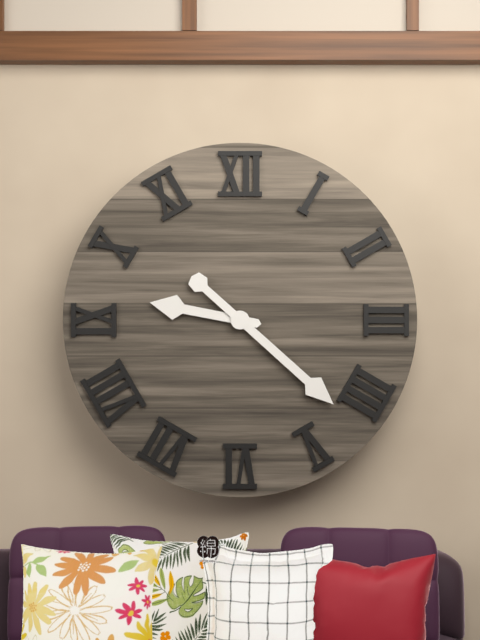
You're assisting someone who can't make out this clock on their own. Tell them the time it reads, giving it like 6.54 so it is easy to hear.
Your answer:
9.22
